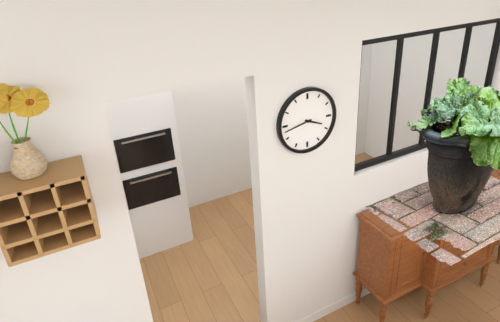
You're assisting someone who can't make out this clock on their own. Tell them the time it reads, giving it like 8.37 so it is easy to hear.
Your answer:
3.43
